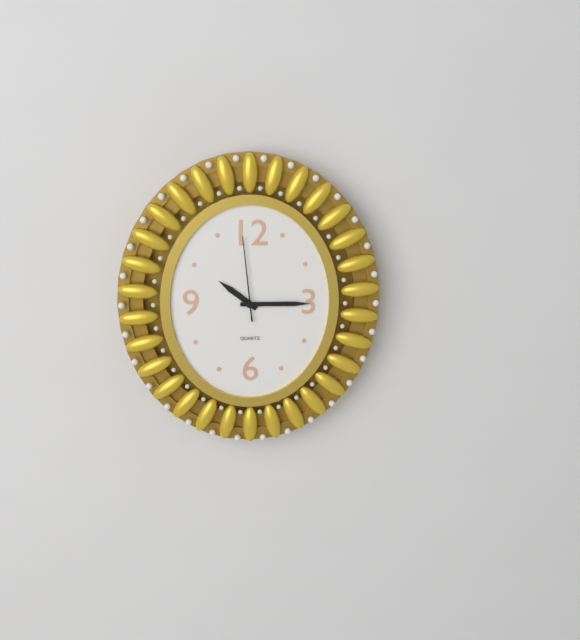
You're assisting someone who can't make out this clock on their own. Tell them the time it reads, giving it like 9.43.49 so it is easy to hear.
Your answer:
10.15.59
